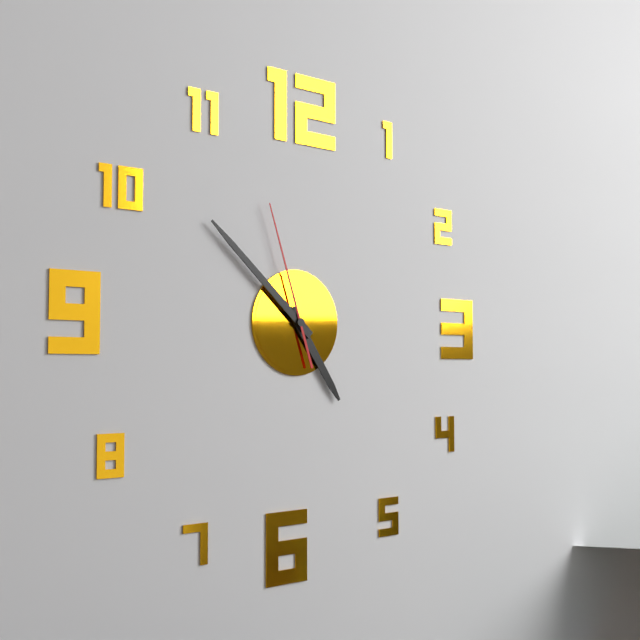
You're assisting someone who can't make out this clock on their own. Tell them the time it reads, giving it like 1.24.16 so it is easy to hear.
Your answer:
4.52.57
